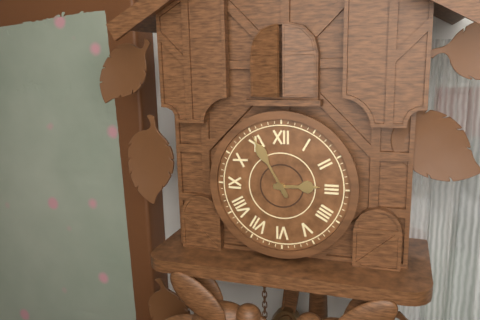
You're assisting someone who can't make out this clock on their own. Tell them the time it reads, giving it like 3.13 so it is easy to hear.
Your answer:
2.55
